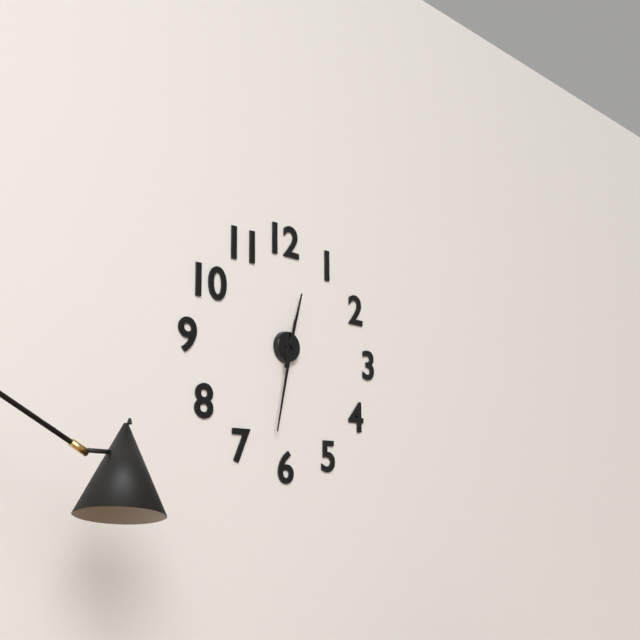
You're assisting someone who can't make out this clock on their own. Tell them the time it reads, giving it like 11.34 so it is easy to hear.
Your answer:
12.32
